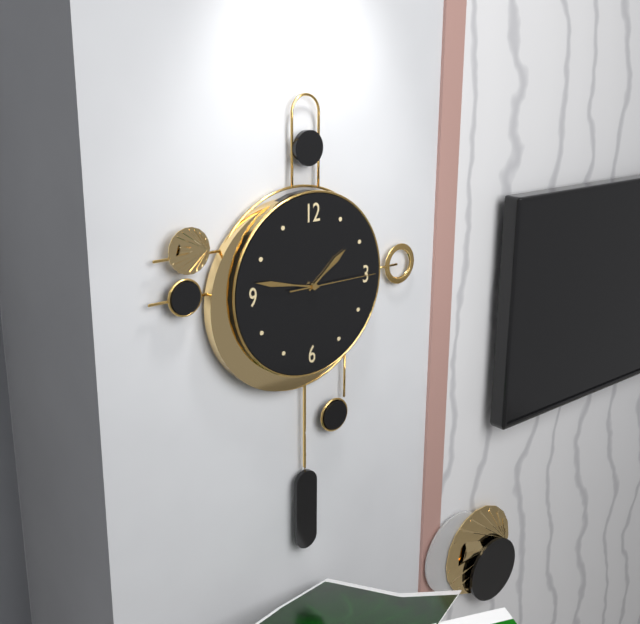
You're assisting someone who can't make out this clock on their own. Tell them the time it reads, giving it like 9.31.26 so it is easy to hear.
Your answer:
1.47.15
